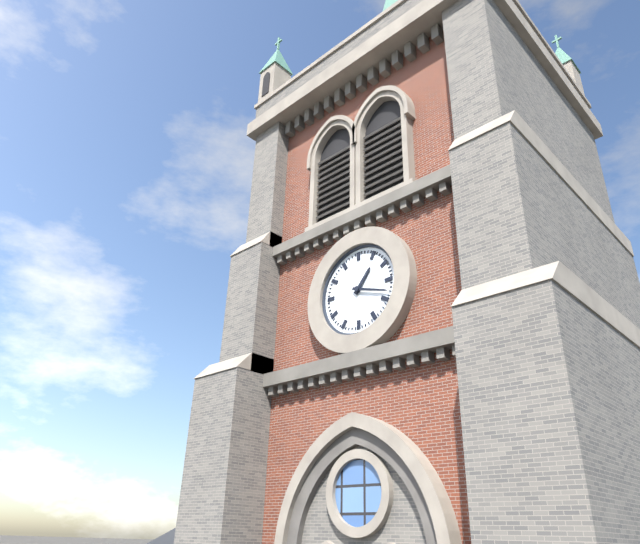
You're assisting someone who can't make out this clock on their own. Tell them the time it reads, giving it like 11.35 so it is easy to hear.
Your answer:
1.18
